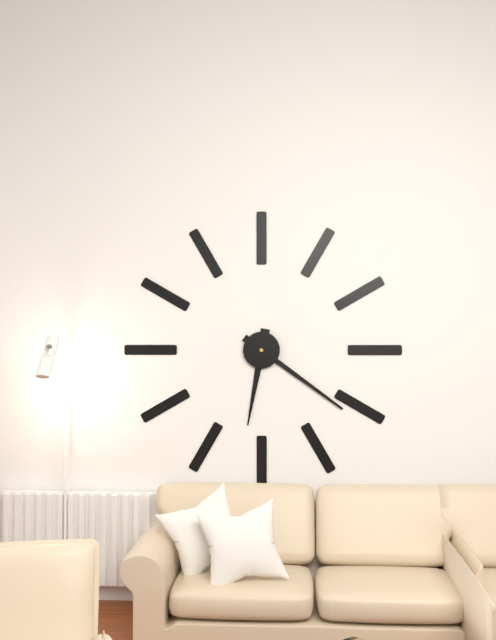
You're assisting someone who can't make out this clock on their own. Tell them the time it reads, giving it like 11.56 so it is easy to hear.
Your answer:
6.21
